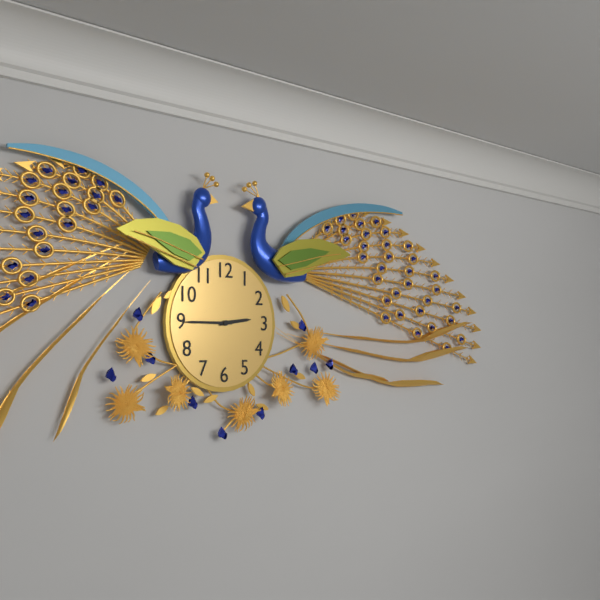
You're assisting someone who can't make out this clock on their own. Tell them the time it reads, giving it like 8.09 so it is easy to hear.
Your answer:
2.45
